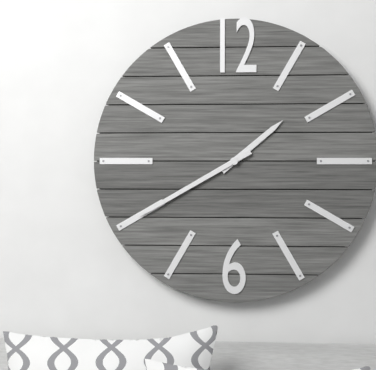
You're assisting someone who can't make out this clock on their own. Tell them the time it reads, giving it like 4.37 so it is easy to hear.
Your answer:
1.40
